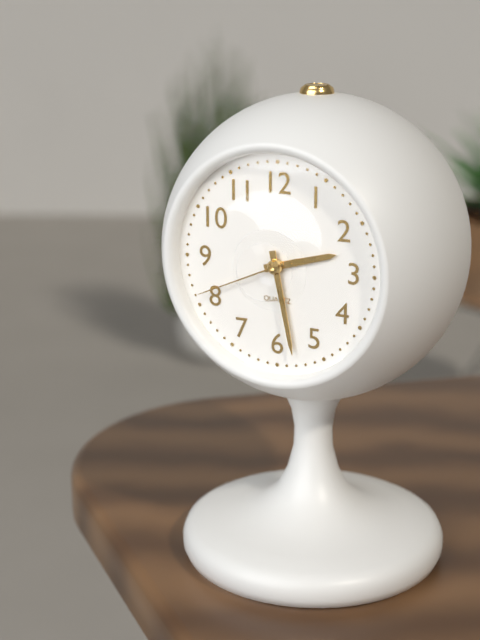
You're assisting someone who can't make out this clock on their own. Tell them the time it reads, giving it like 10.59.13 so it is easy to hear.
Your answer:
2.28.41
